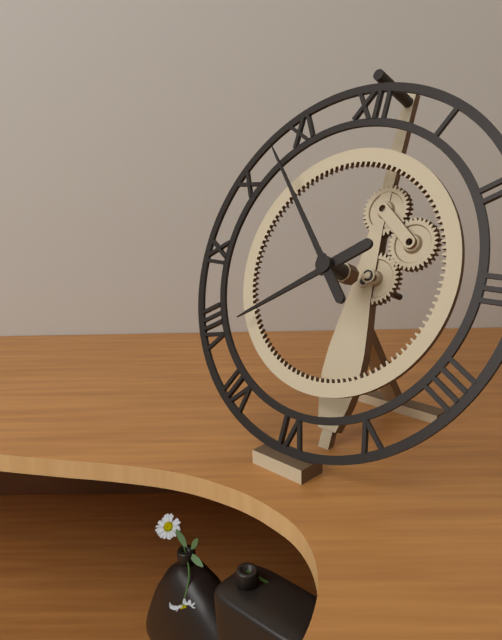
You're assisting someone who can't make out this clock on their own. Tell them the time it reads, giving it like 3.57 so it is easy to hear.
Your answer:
7.53
